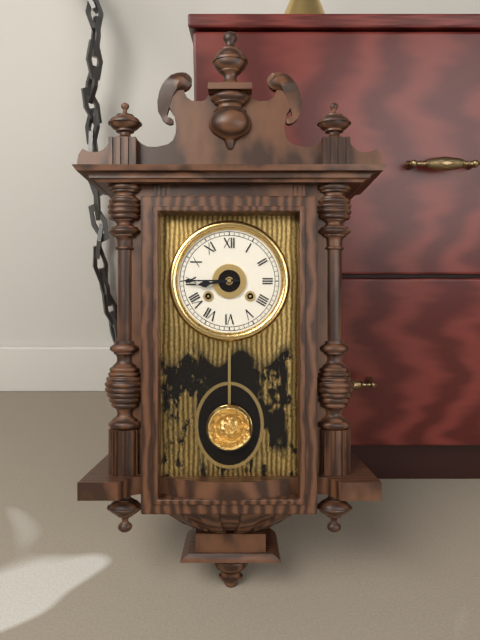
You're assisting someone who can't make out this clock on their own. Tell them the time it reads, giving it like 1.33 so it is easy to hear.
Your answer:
8.45
